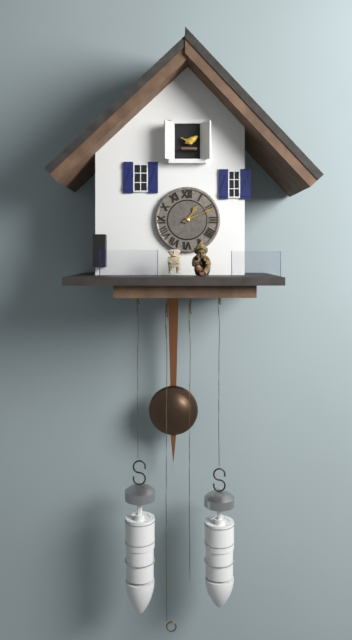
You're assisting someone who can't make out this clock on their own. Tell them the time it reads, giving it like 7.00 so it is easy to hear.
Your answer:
1.11
